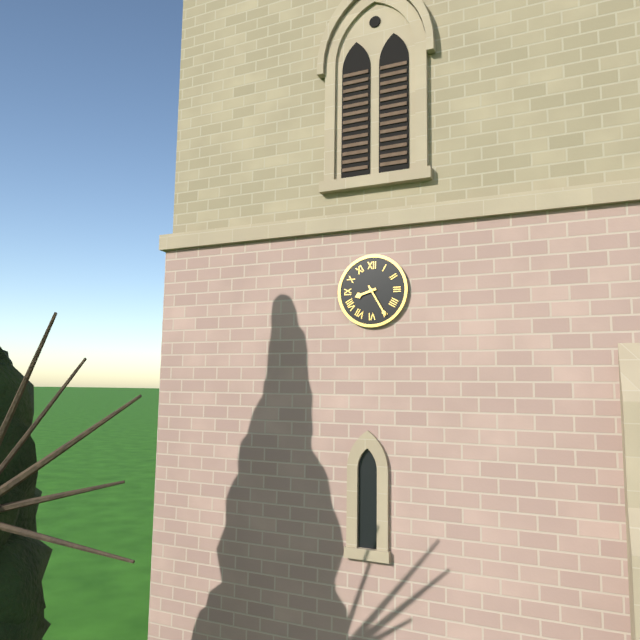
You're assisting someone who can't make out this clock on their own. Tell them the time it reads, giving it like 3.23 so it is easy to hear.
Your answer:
8.25
